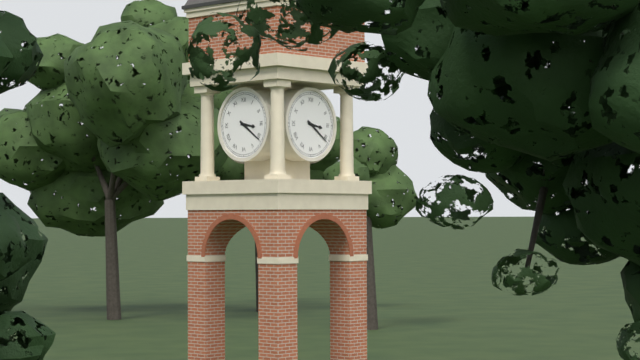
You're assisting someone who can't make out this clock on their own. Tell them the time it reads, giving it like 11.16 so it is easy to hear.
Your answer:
3.21
